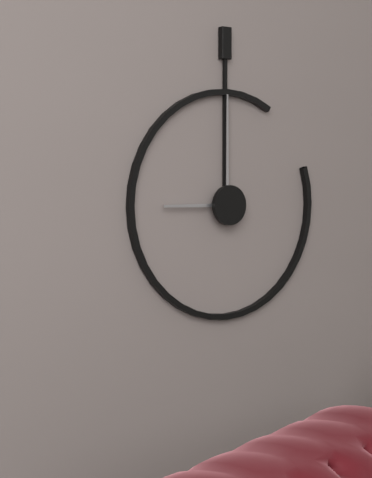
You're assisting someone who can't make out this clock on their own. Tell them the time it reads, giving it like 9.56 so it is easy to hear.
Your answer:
9.00
